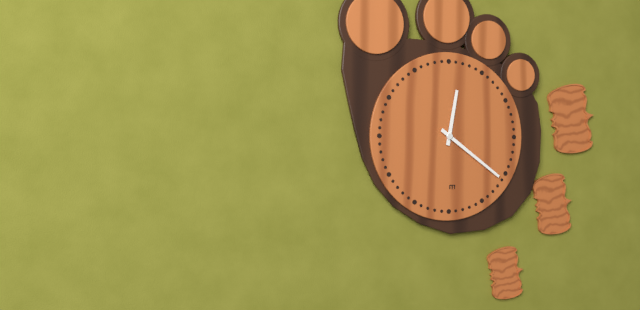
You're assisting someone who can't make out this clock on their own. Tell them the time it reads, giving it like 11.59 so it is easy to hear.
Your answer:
12.21
